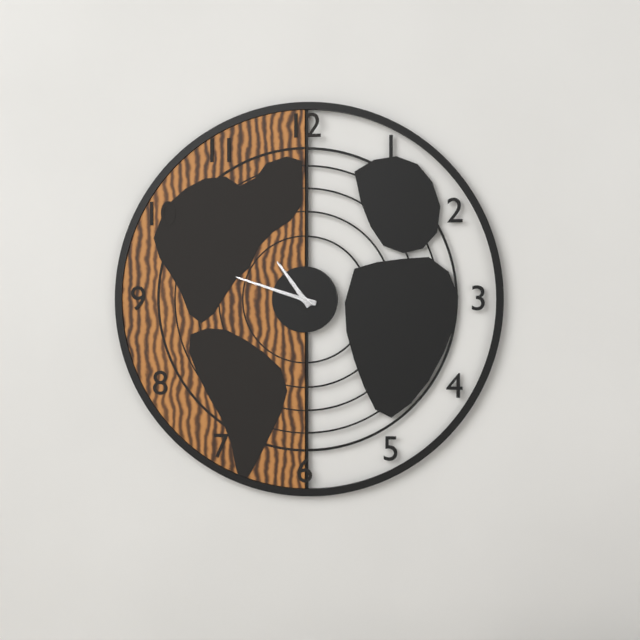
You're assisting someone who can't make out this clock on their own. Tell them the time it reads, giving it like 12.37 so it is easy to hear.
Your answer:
10.48
